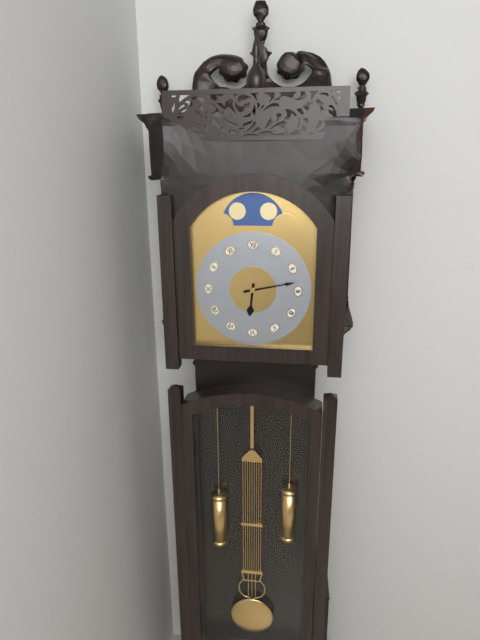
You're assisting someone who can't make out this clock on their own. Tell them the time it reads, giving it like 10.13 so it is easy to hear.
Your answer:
6.13
